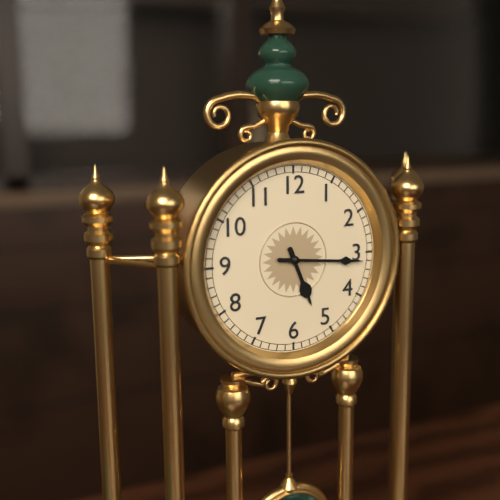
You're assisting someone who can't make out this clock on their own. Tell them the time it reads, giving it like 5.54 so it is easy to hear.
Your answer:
5.16
